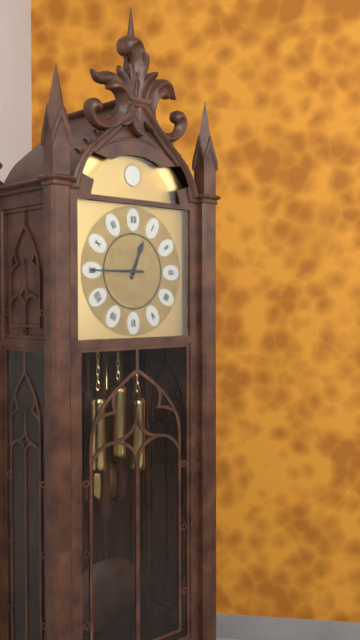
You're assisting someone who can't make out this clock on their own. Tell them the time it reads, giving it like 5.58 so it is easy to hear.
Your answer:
12.45
